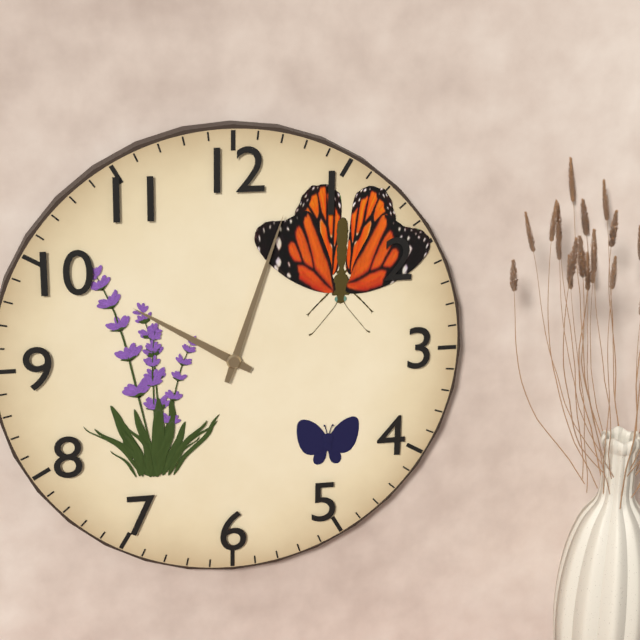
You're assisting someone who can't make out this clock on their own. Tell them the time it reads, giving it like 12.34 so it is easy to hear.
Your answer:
10.03
